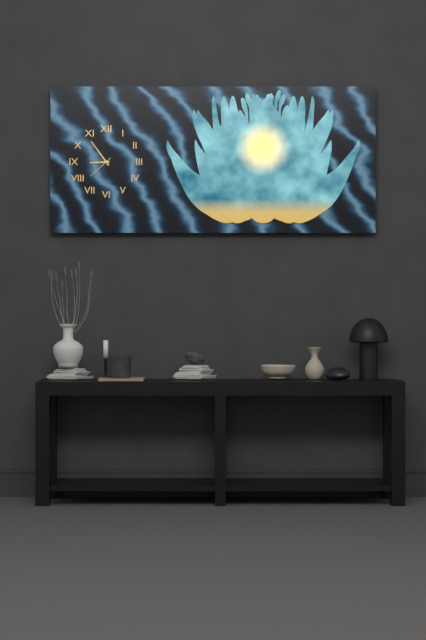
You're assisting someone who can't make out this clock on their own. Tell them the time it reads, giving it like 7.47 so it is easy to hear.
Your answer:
8.54
